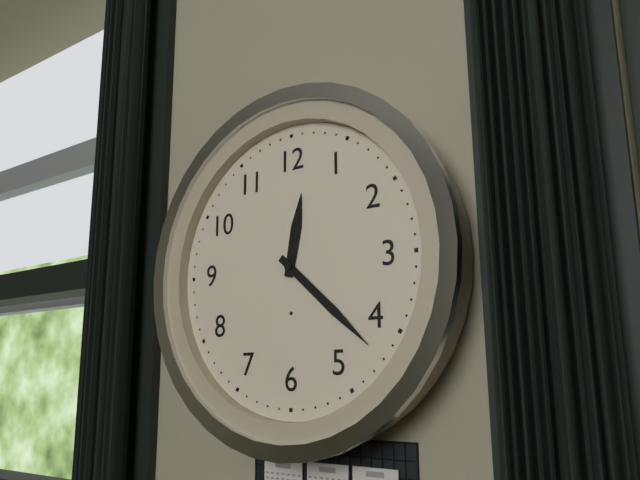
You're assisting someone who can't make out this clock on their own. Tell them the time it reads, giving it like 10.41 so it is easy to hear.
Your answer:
12.22
